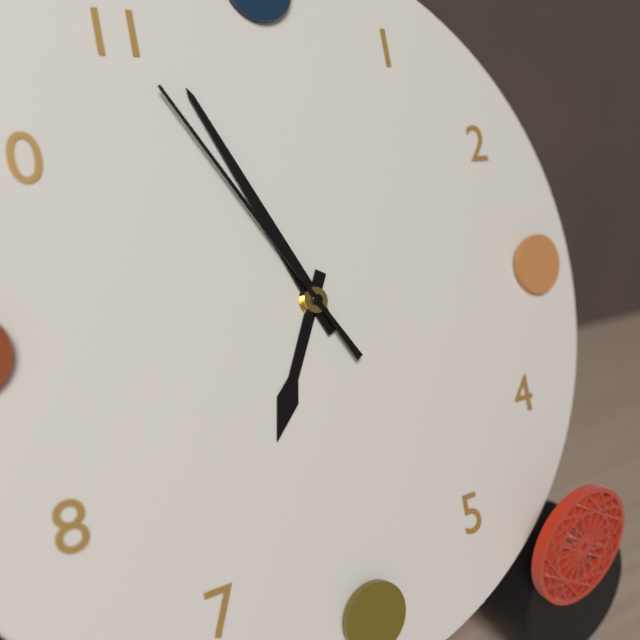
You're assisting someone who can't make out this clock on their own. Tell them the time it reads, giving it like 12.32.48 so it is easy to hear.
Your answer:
6.56.55
